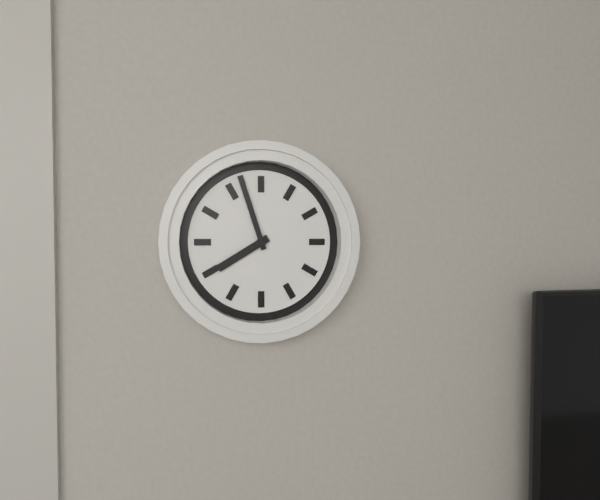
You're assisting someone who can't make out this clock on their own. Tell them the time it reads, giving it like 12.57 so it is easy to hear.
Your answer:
7.57
